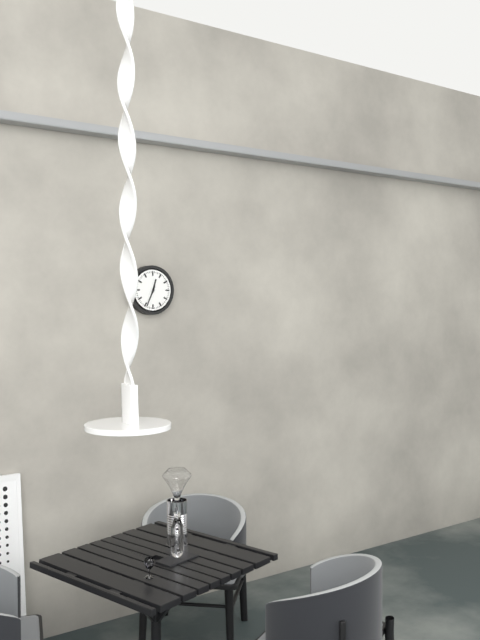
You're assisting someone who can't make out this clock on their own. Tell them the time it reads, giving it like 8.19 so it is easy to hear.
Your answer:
12.34
